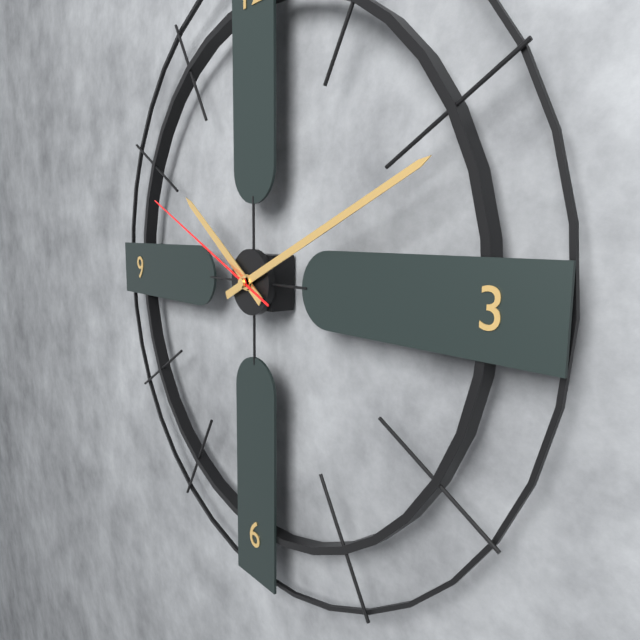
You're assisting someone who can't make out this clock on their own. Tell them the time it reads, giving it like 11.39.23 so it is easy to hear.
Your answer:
10.11.49
